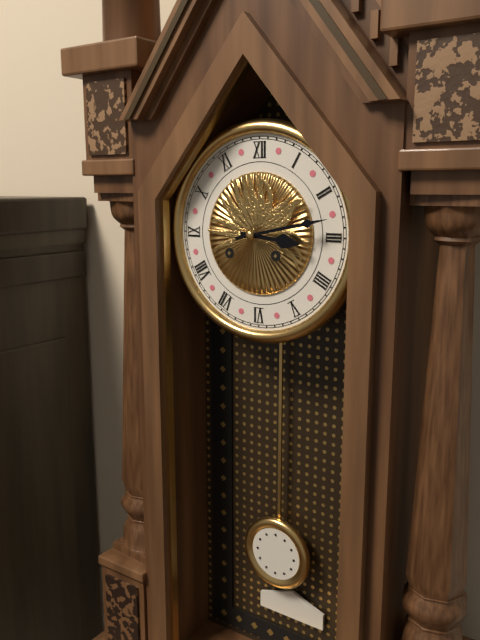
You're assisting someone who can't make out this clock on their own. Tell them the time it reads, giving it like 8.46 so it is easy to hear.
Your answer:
3.13
